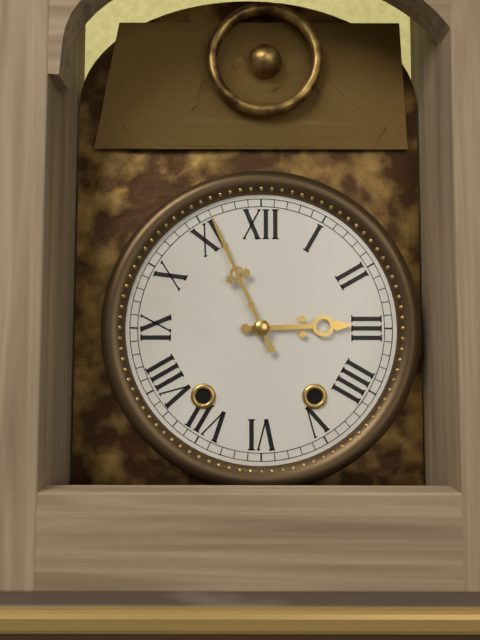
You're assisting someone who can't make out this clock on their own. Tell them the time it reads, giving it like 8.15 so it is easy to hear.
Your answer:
2.56
